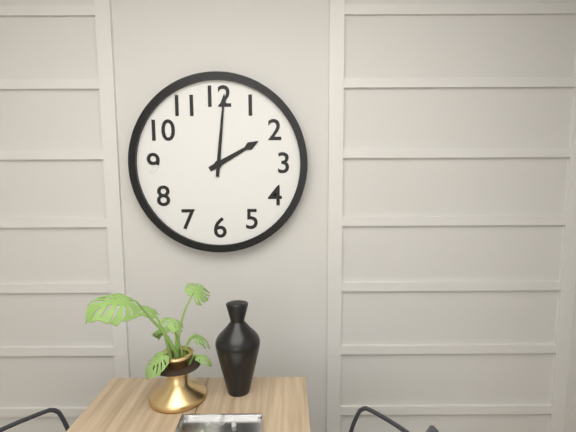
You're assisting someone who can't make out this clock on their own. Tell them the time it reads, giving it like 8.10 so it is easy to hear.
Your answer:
2.01
